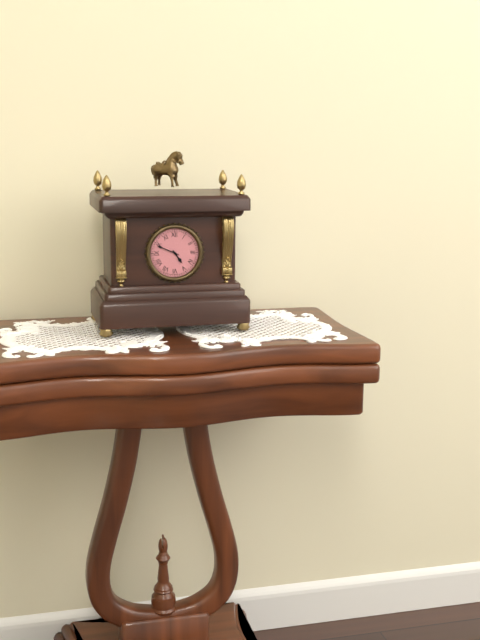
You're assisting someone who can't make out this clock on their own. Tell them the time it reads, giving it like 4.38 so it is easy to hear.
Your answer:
4.49
